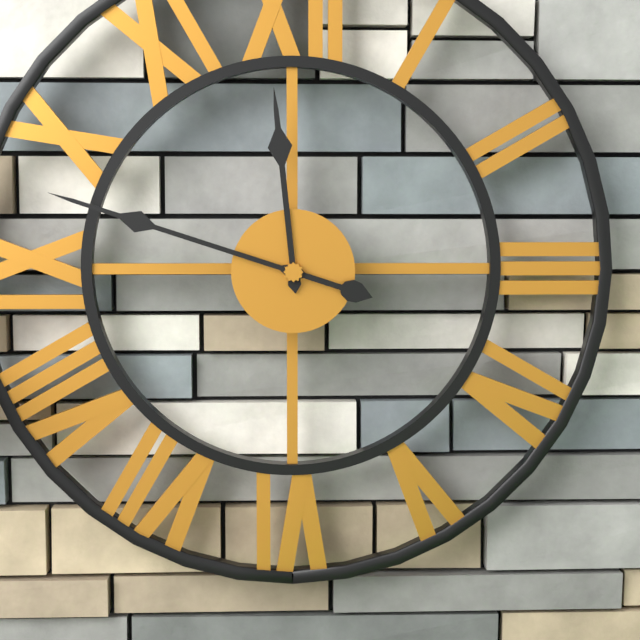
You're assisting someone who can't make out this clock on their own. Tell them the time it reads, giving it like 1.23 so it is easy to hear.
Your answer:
11.48
